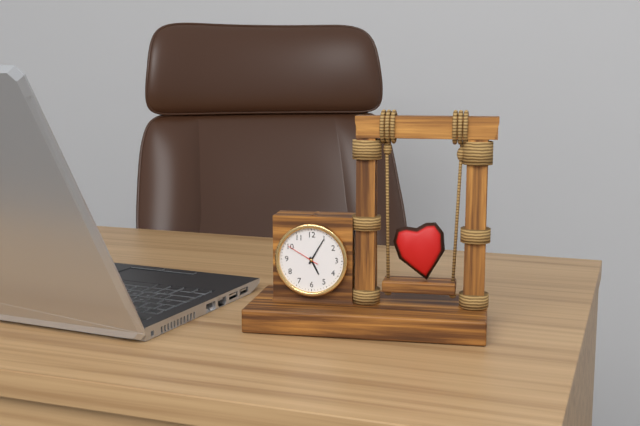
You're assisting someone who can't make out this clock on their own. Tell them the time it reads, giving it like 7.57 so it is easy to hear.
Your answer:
5.05
